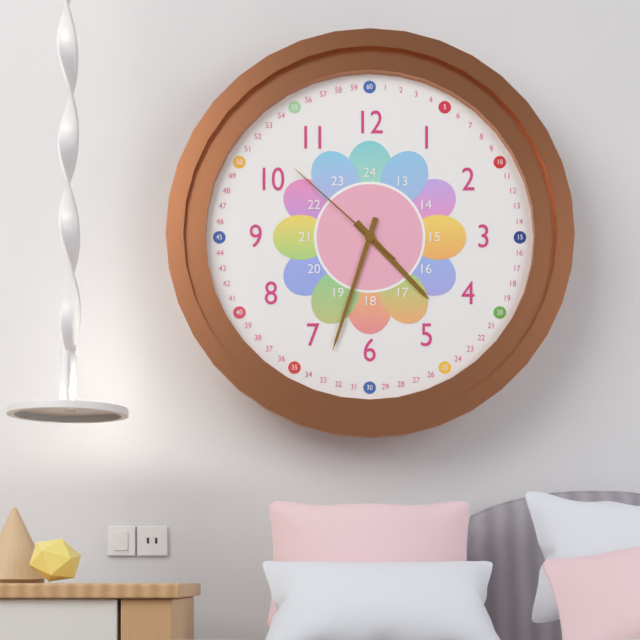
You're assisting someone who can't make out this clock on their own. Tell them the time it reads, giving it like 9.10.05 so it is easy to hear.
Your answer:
4.33.52
